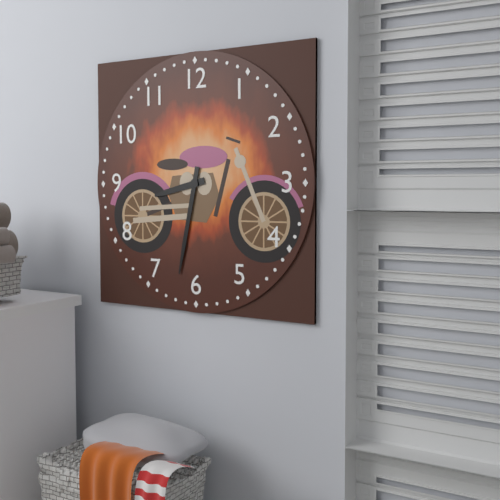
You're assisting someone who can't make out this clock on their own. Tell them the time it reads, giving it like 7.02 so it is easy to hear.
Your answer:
8.32
